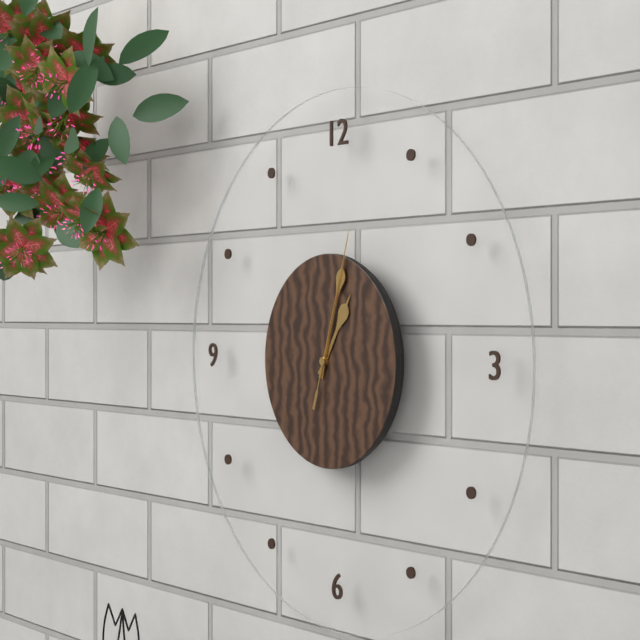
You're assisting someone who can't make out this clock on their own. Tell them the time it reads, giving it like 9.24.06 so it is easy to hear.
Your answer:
1.03.03
